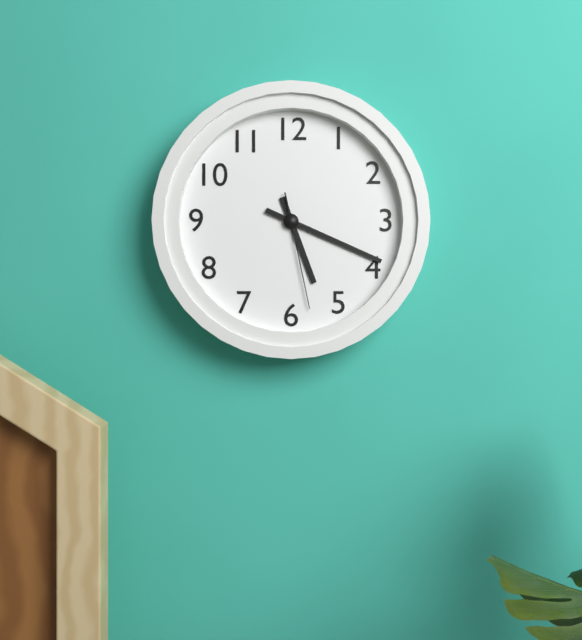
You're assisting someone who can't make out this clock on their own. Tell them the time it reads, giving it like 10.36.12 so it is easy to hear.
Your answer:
5.19.28
